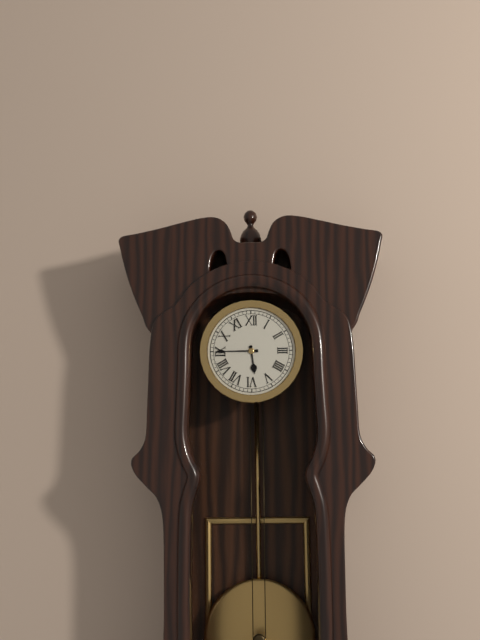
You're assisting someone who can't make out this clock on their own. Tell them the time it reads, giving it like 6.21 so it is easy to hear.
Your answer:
5.45
